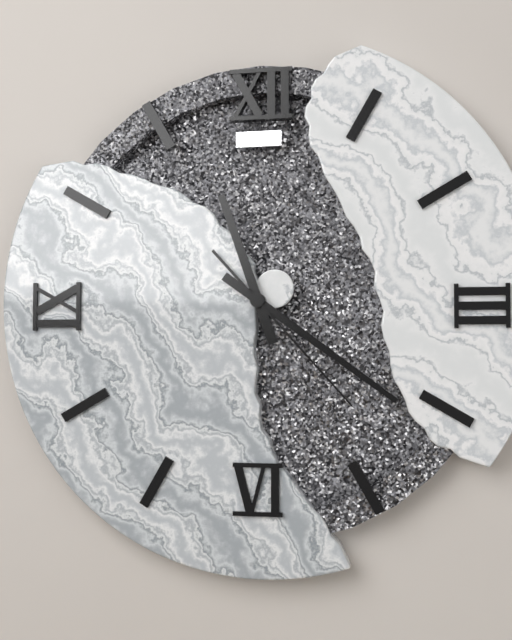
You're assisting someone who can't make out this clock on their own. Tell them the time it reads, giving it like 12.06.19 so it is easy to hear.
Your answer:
11.21.23
